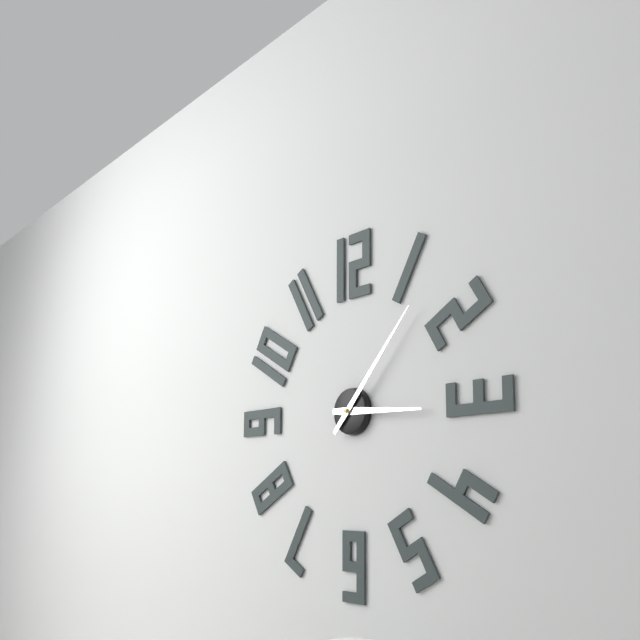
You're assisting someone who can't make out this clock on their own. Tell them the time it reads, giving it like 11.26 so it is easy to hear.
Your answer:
3.07
